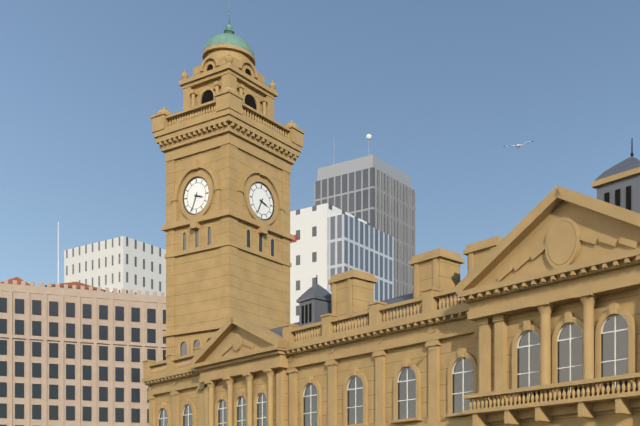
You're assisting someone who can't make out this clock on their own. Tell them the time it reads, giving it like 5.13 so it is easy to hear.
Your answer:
3.34
